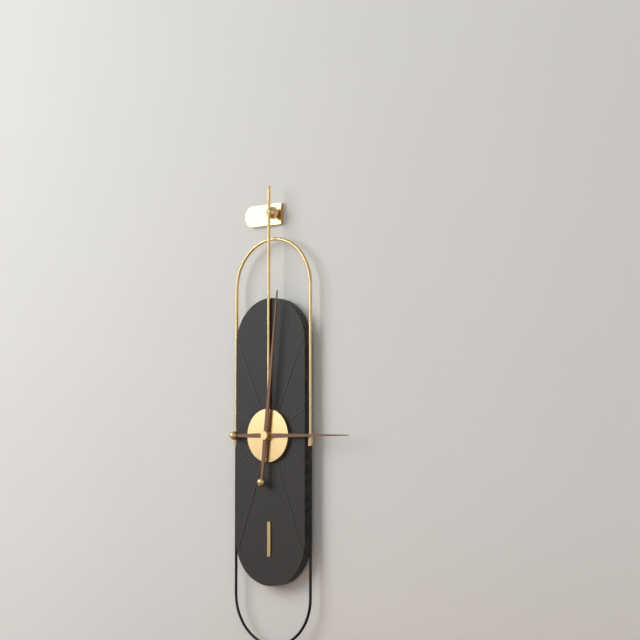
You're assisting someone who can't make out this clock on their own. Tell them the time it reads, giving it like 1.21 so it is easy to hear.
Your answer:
3.01
